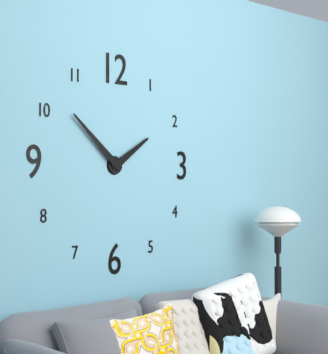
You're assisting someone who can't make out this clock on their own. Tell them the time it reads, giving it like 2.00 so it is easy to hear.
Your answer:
1.52
